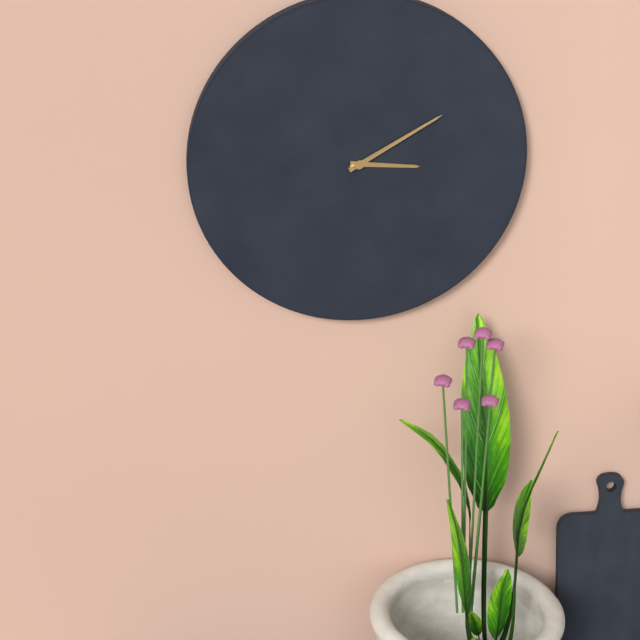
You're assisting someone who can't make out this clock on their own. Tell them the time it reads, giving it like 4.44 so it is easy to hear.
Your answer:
3.10
